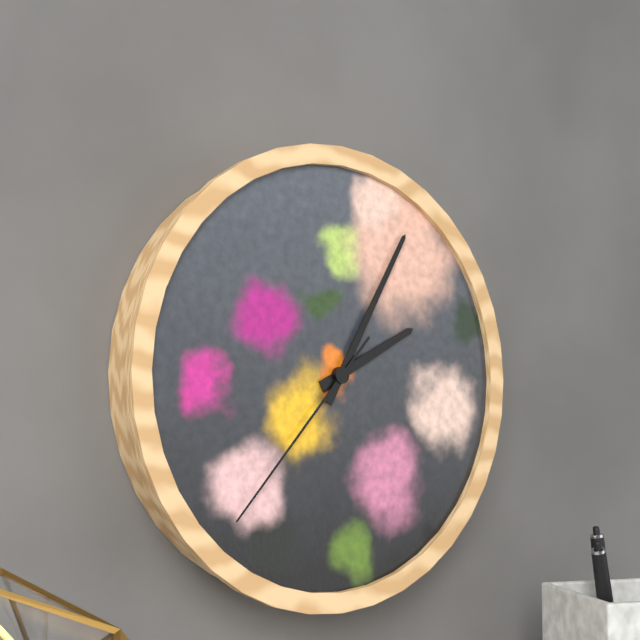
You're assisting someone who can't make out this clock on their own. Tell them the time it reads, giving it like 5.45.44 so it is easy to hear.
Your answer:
2.05.37
